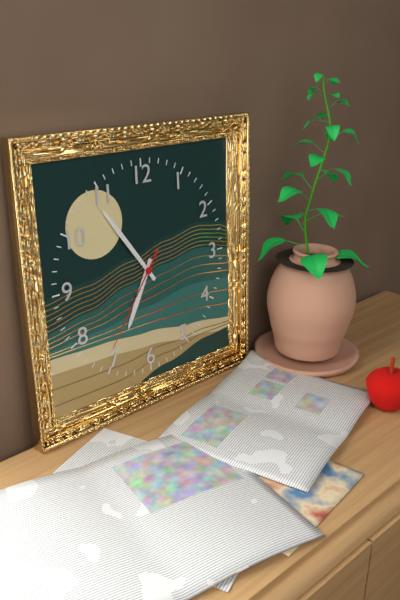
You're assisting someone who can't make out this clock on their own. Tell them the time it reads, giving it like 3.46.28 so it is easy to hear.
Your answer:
6.54.36
